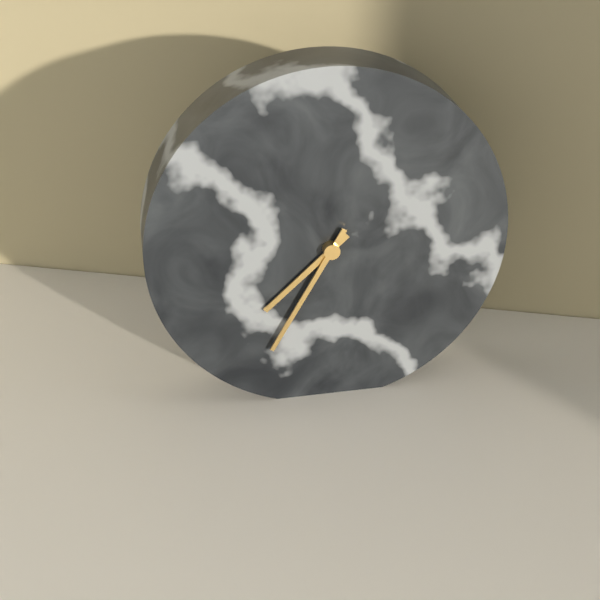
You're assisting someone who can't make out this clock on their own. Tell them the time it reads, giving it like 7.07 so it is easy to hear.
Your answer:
7.35
